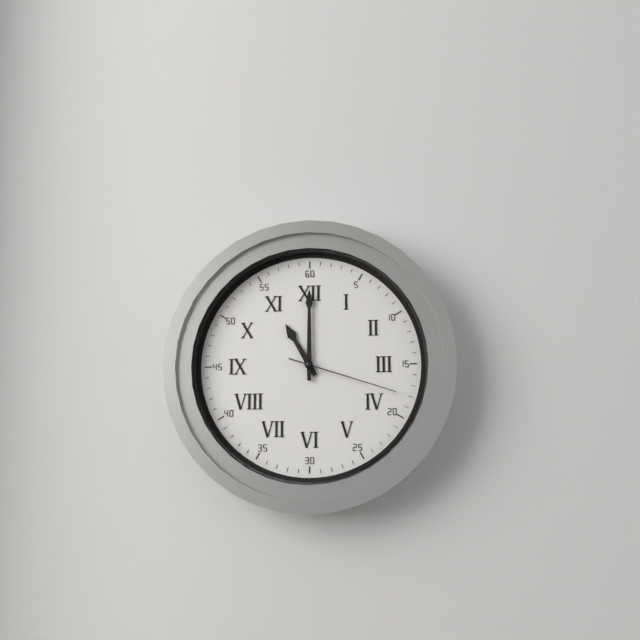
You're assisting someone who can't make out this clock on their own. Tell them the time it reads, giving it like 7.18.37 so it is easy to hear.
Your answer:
11.00.18
